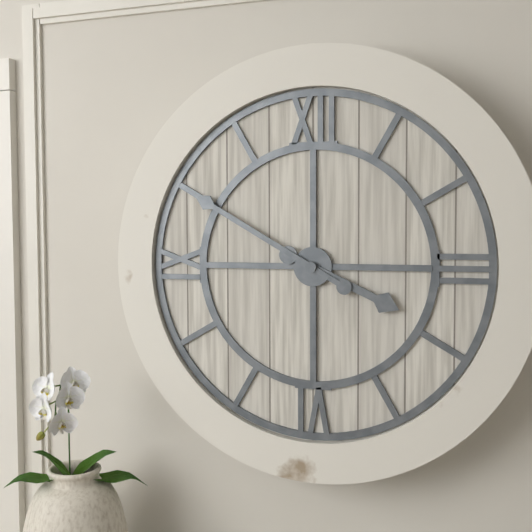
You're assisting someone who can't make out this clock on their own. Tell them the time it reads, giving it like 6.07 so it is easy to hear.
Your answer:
3.50
